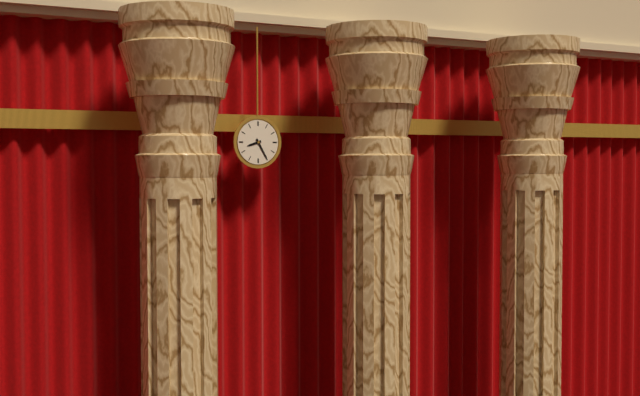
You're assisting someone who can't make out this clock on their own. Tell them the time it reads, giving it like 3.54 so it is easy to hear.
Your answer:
8.25
